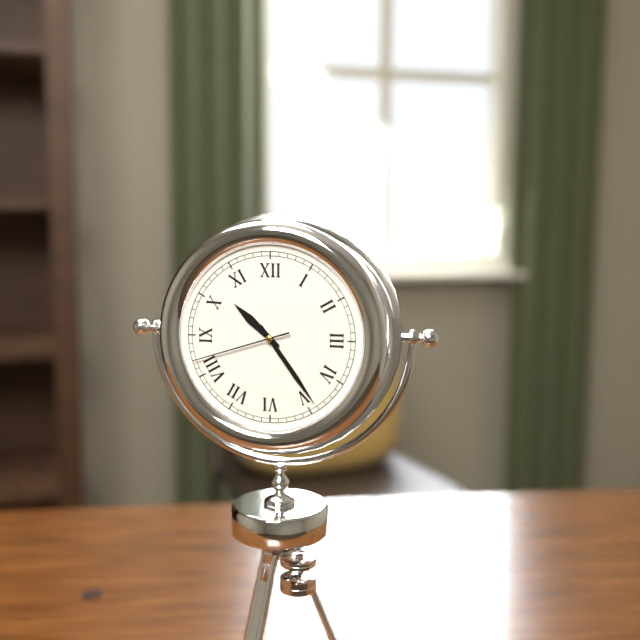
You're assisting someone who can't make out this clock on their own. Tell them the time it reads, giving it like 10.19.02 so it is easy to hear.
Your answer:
10.24.42
